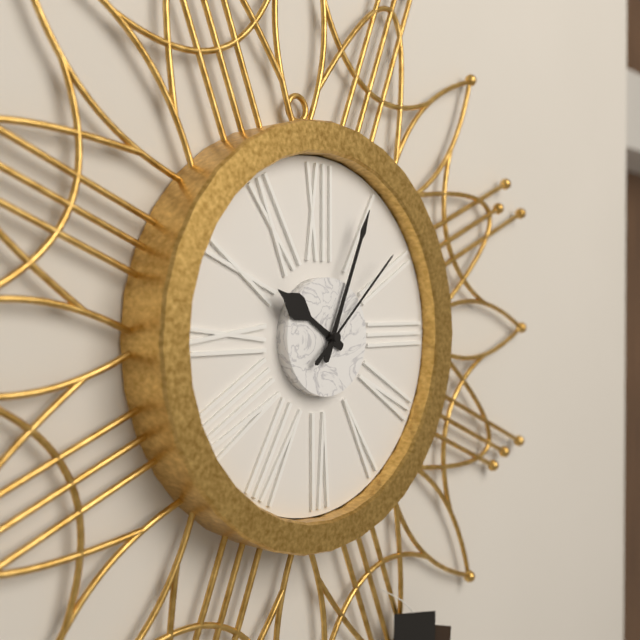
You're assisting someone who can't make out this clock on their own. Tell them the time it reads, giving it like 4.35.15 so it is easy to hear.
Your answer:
10.04.08
